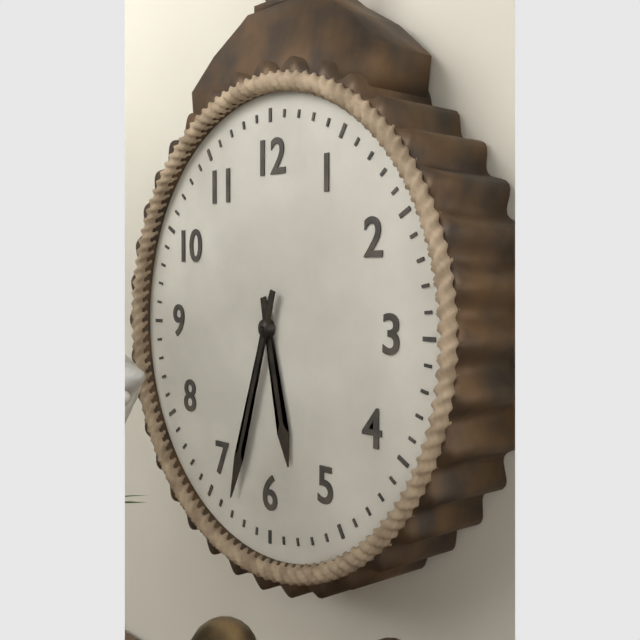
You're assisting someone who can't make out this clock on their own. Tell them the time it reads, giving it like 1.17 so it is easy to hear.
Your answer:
5.33
